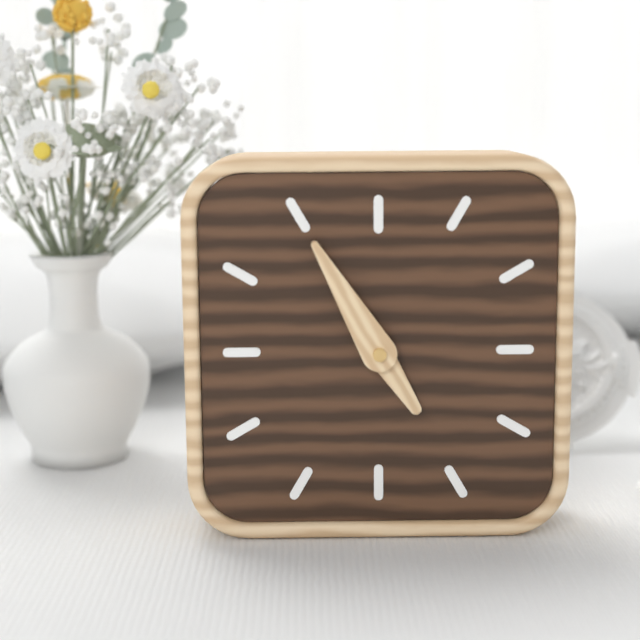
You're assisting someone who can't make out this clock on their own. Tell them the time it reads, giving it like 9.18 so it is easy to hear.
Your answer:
4.55
